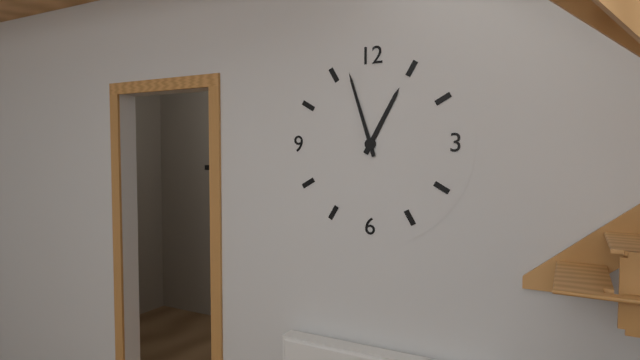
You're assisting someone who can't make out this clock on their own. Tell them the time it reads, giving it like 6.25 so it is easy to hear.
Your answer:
12.57
